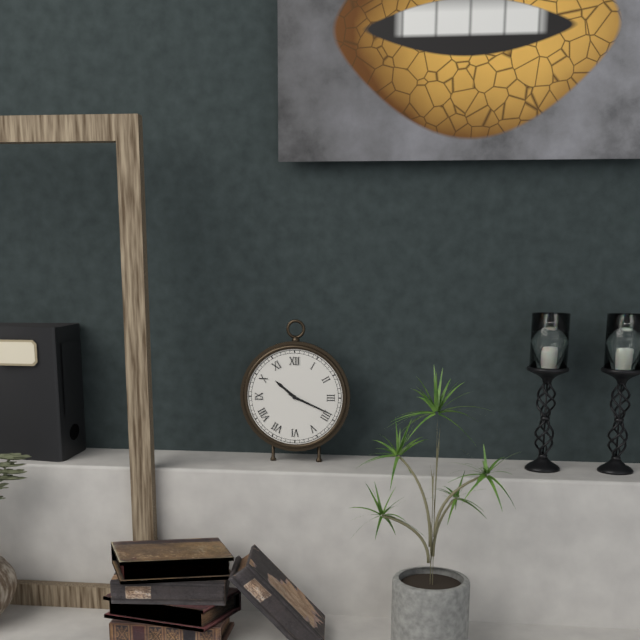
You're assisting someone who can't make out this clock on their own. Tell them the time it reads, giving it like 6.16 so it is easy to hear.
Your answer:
10.19
